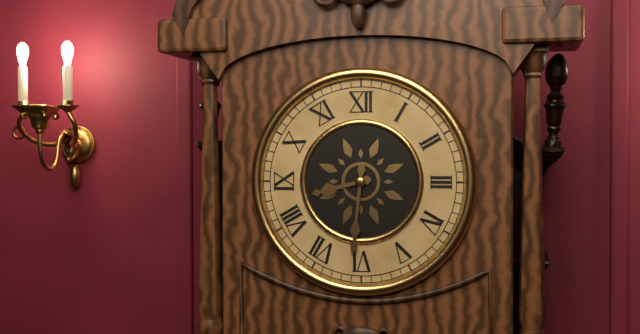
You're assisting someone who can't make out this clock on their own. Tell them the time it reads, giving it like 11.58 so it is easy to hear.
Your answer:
8.31
